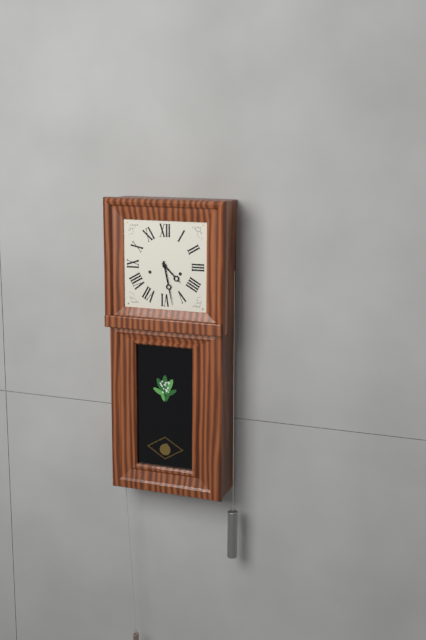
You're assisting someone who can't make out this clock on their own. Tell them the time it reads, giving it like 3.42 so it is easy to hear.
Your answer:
4.28
